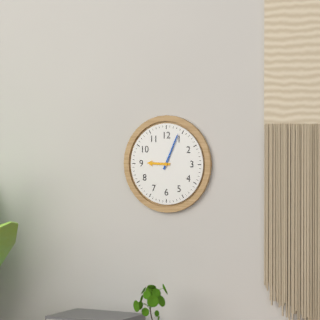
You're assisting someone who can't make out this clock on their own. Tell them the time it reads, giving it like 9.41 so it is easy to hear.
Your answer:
9.04
